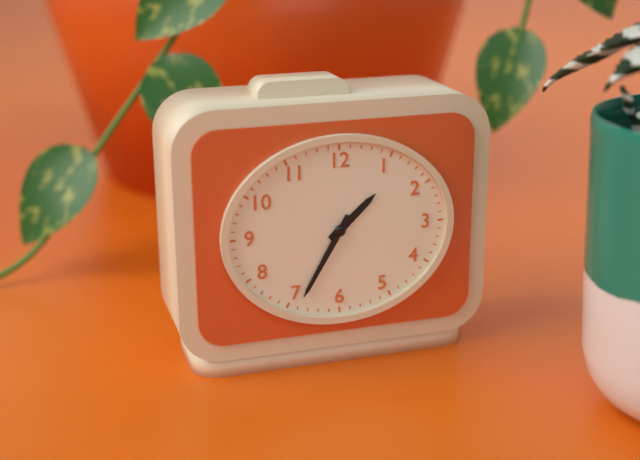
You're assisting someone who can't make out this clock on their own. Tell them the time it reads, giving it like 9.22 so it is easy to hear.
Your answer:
1.35
